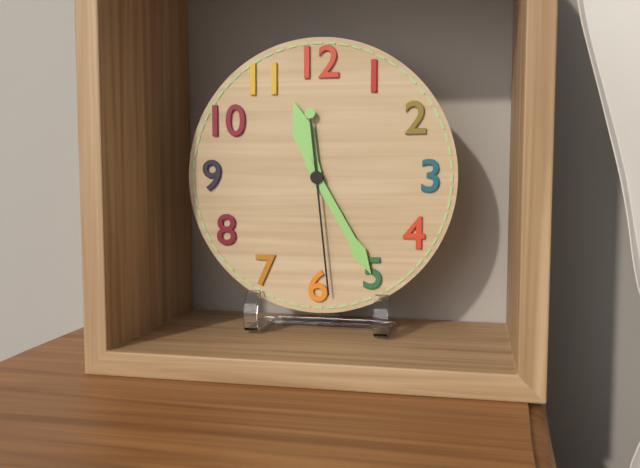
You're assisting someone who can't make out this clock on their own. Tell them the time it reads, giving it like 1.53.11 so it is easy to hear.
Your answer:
11.25.29
